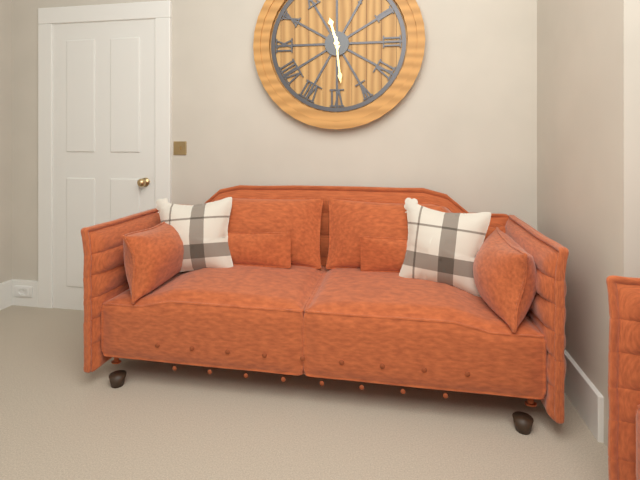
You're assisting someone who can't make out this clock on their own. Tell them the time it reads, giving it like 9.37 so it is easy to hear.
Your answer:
11.29
